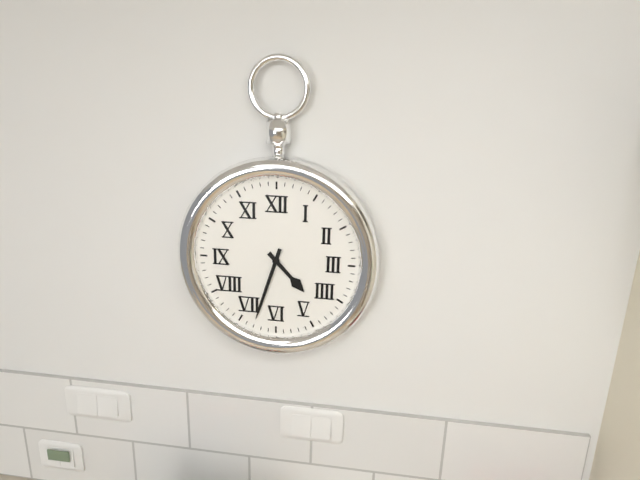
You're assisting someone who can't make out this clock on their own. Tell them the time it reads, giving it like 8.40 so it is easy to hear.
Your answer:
4.33
